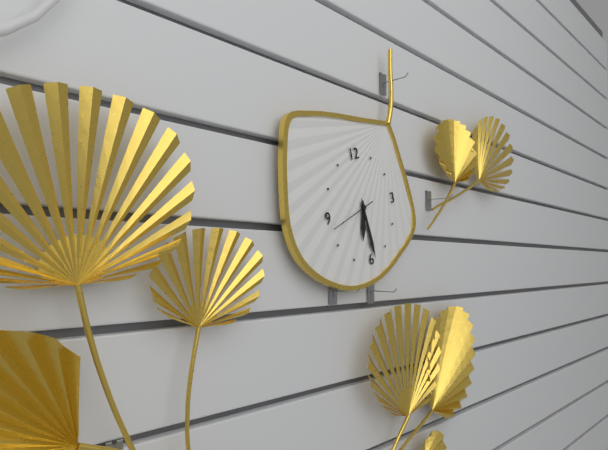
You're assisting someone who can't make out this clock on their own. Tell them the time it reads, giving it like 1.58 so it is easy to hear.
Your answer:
6.29
